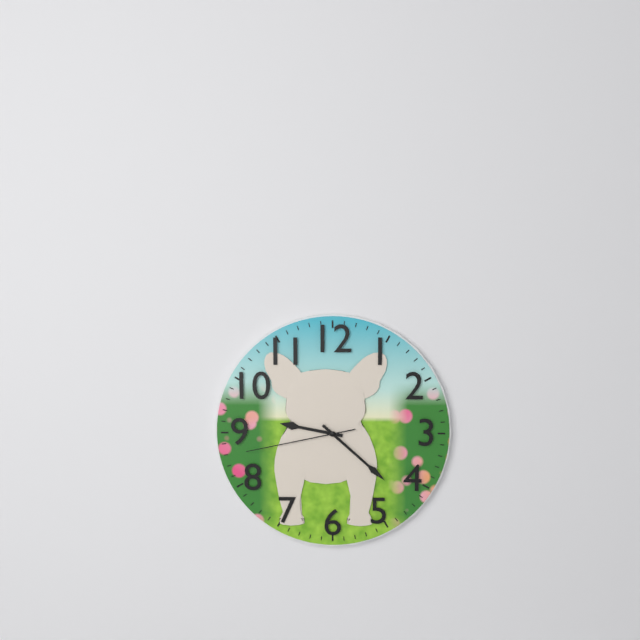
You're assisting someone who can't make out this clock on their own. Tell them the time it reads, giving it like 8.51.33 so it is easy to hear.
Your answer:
9.22.43
